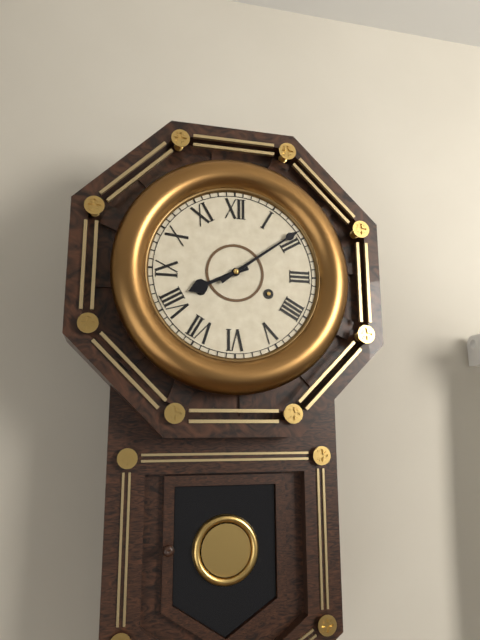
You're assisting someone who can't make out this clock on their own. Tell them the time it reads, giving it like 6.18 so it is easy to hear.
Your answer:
8.09
